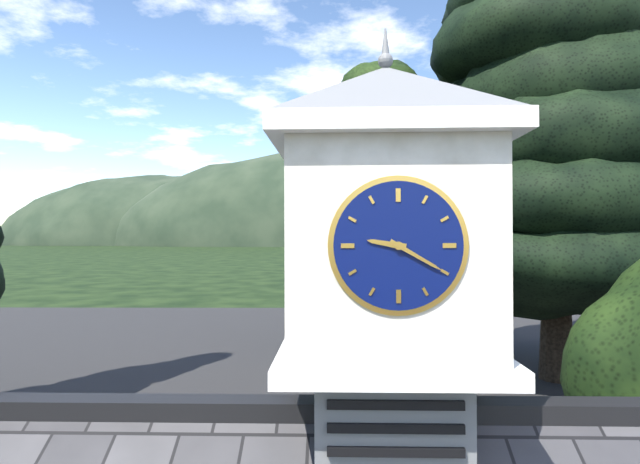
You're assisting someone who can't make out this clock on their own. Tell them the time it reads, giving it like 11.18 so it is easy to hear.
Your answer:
9.20
